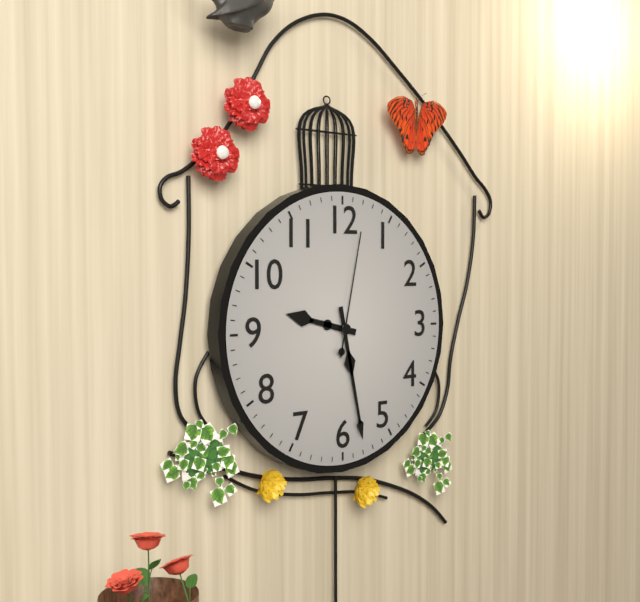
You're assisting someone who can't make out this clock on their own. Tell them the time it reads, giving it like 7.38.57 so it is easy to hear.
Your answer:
9.28.02
